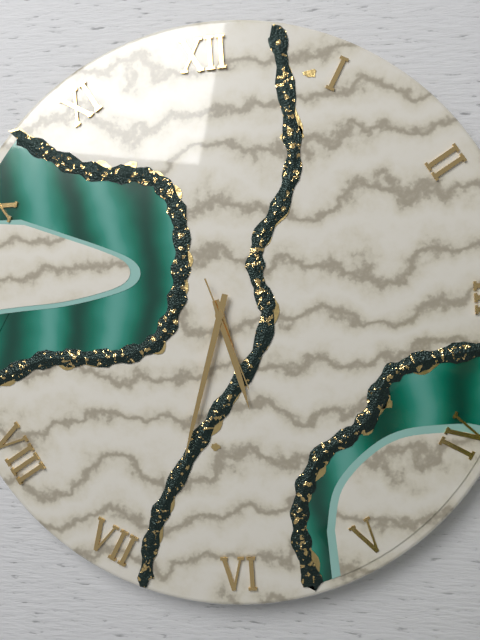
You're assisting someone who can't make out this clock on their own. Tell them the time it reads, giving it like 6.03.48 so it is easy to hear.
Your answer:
5.33.27
